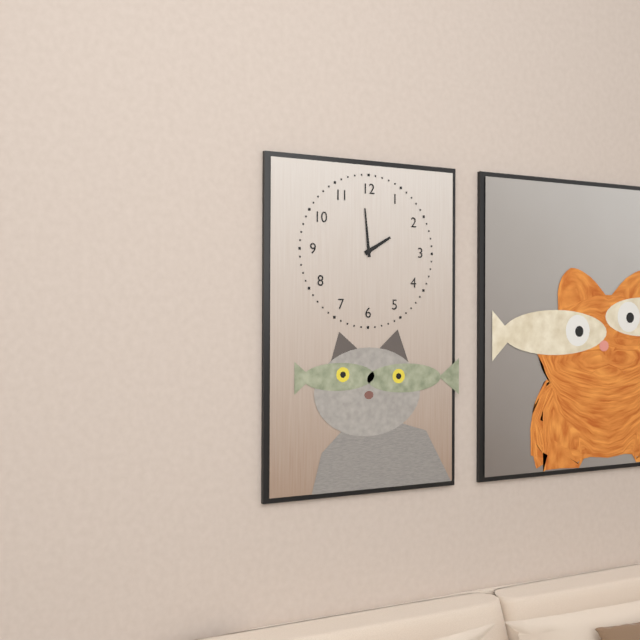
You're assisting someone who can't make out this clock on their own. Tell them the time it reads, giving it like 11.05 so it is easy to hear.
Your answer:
1.59
